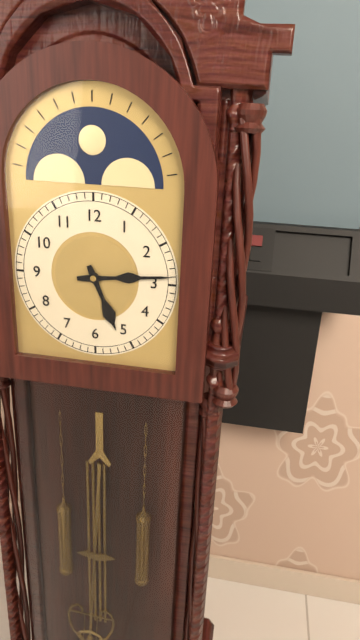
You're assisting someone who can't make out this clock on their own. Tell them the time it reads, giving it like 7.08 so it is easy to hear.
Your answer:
5.14
